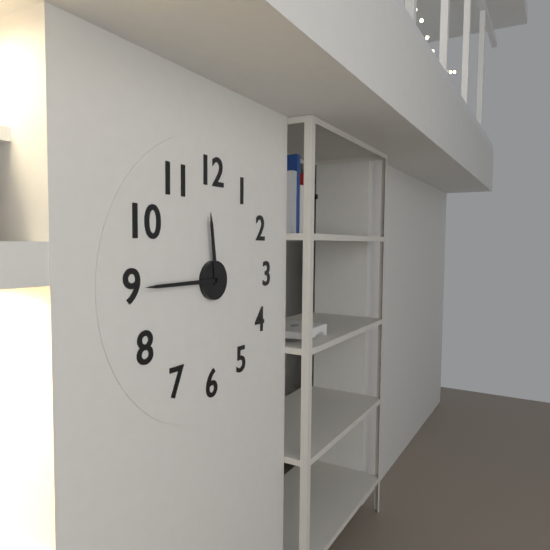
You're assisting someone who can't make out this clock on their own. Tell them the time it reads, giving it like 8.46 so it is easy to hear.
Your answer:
11.45
